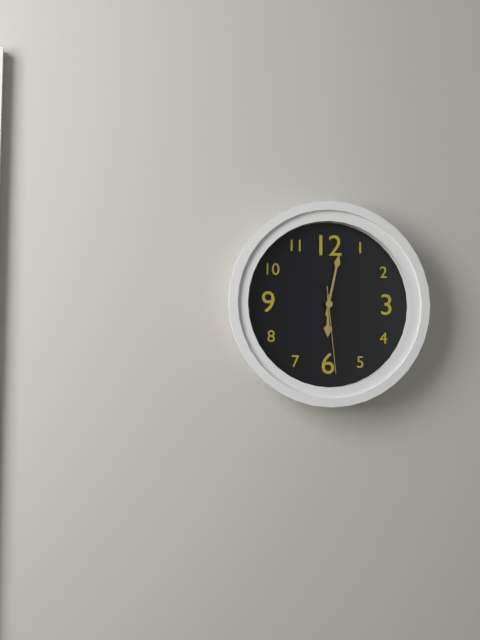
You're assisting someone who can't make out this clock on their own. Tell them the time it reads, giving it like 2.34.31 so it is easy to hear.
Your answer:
6.02.29
